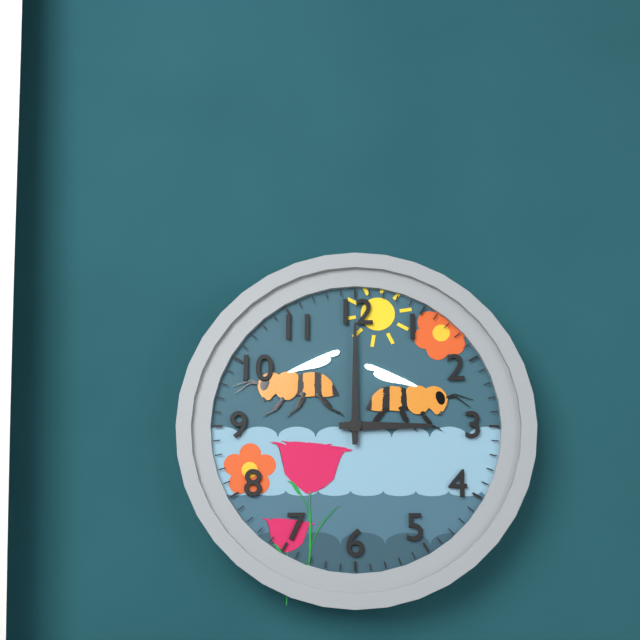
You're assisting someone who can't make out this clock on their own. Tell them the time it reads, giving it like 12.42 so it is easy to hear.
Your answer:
3.00
